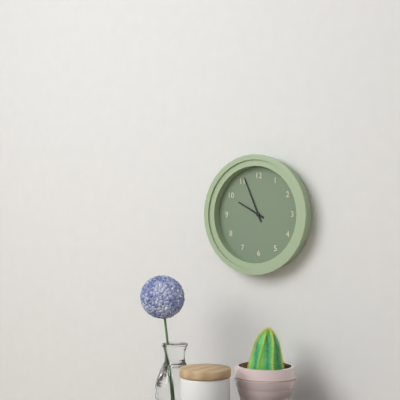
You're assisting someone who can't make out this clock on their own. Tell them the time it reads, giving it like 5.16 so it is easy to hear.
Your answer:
9.56
